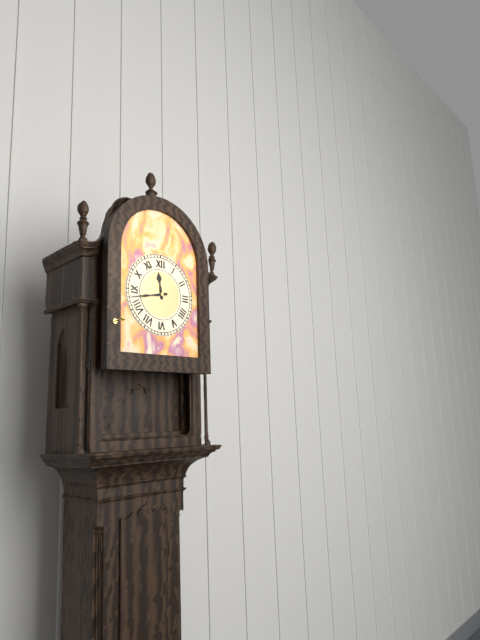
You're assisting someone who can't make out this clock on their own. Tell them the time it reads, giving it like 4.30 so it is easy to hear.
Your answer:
11.43
